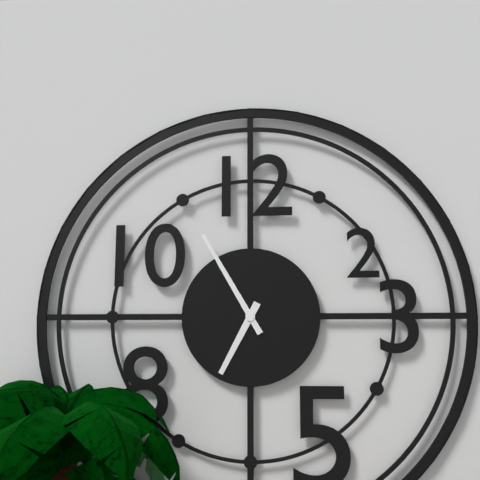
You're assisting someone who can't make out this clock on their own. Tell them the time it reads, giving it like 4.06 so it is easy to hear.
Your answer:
6.55
